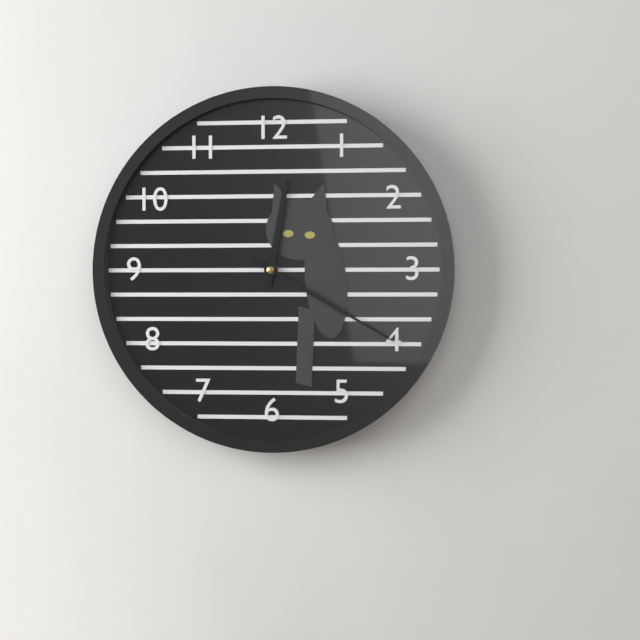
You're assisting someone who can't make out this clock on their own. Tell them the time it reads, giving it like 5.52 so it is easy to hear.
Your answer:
12.20
